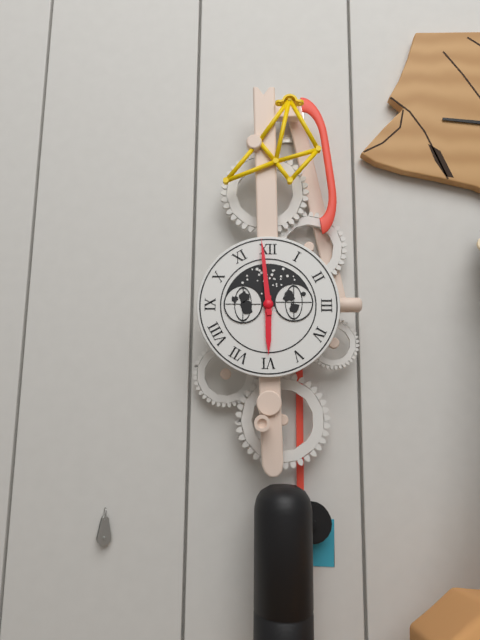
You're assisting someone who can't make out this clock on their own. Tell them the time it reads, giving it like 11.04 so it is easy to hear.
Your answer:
5.59
